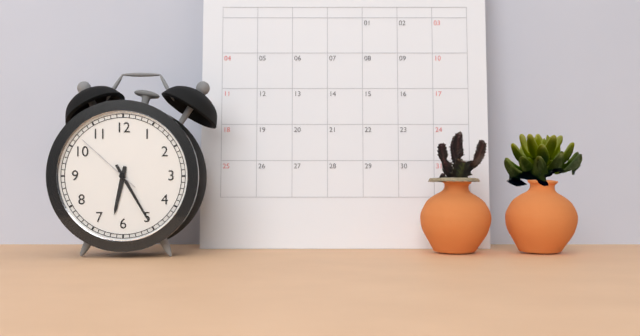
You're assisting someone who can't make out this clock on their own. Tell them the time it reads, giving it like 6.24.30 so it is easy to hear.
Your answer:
6.25.52
